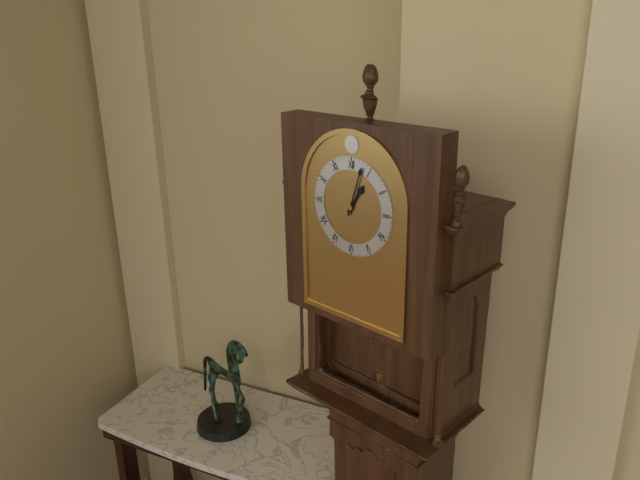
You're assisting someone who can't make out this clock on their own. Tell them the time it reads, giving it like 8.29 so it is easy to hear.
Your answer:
1.03
